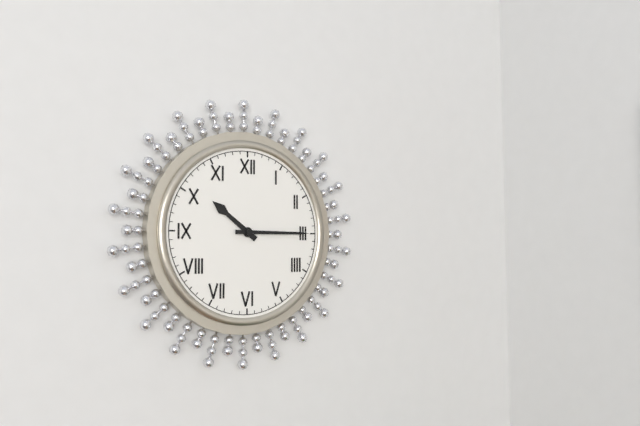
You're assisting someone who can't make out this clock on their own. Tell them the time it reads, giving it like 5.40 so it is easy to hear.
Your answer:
10.15
